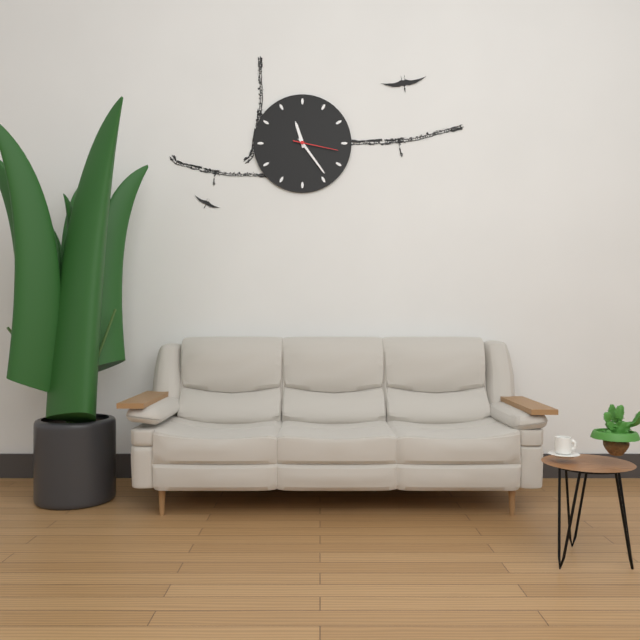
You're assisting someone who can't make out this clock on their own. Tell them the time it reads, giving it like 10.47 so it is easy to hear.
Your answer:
11.24
